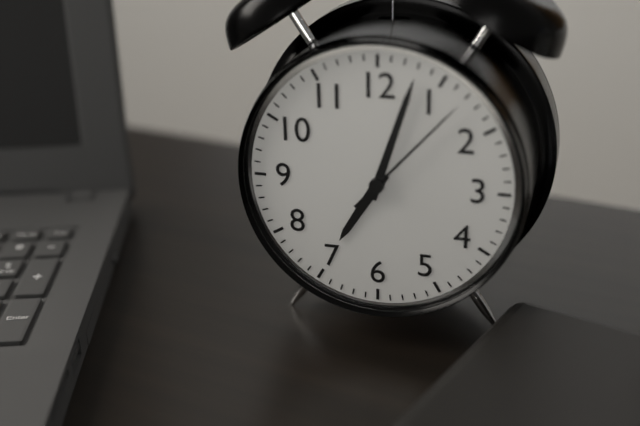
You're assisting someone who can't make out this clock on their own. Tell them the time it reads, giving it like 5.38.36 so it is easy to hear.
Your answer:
7.03.07
